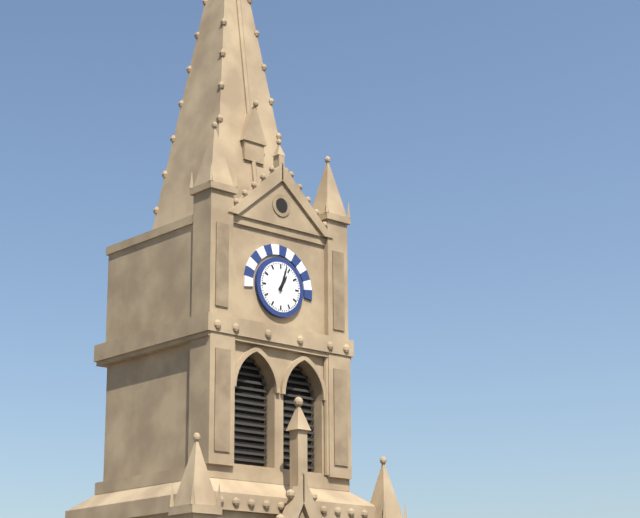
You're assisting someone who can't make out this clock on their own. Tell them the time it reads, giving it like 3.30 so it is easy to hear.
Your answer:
1.03
